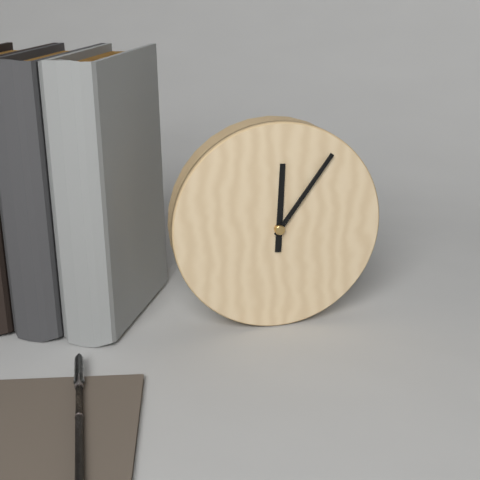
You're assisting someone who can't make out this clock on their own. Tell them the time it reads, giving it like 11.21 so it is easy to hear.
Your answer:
12.06
